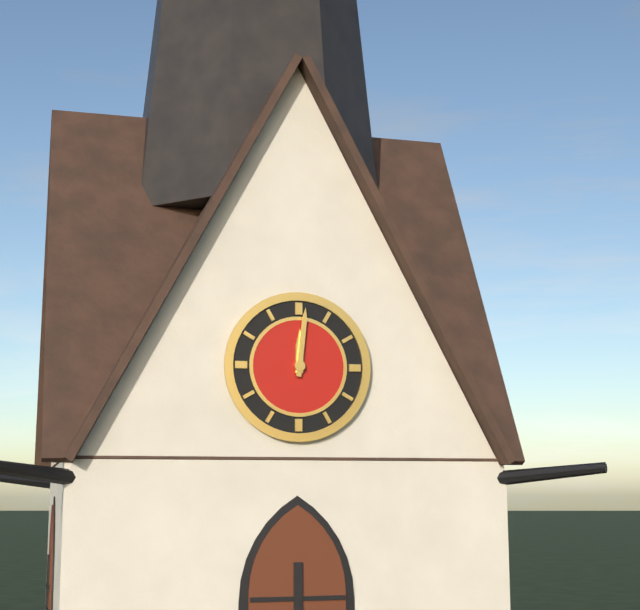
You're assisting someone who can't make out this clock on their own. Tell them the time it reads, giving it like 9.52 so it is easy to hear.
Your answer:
12.01
